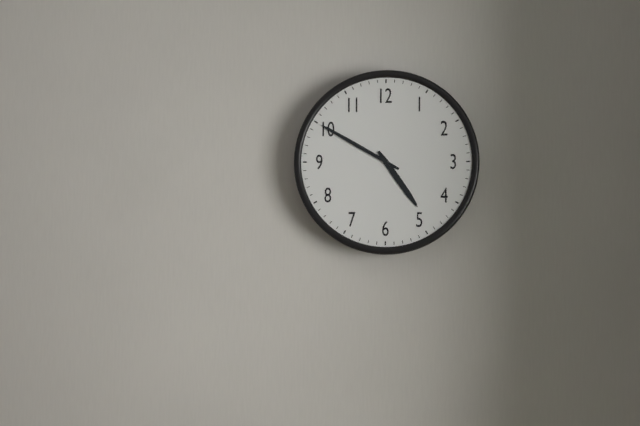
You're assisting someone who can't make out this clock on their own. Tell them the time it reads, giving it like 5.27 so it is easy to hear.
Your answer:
4.50
